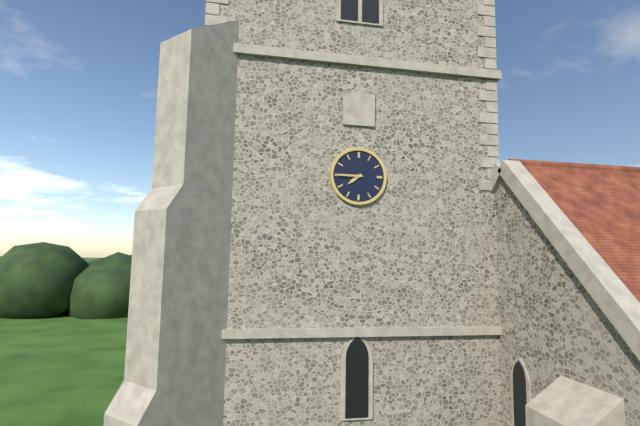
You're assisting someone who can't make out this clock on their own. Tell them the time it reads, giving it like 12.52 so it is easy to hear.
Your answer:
7.45
